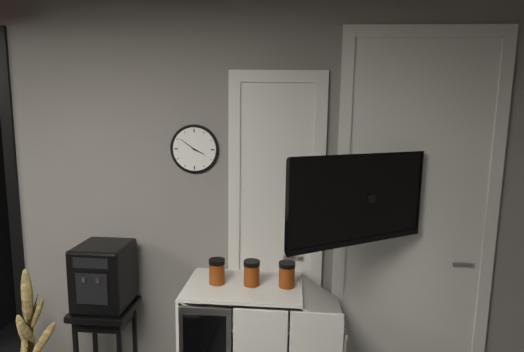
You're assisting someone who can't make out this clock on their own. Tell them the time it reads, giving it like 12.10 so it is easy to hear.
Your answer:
3.51
